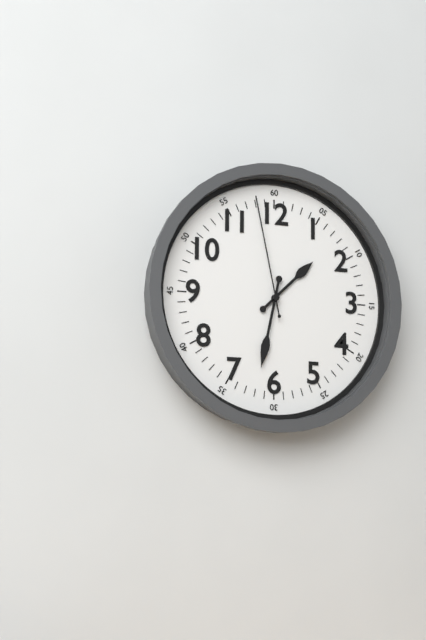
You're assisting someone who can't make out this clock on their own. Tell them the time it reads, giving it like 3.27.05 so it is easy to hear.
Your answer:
1.32.58
